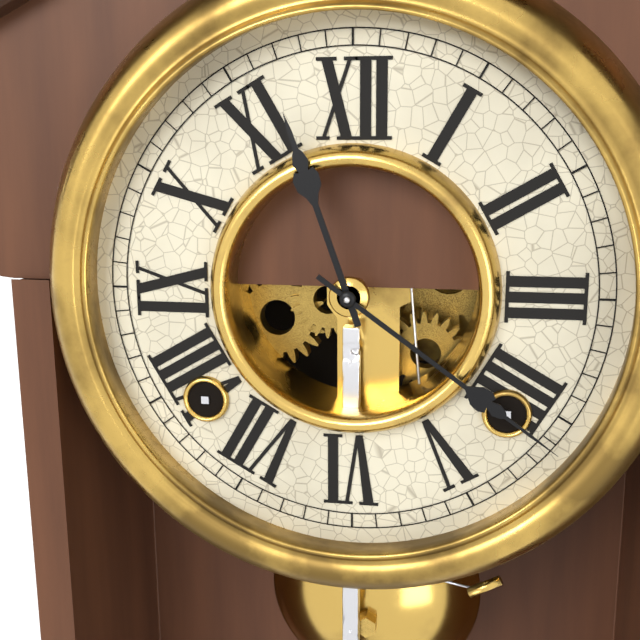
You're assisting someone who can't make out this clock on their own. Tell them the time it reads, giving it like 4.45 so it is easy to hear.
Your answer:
11.21
